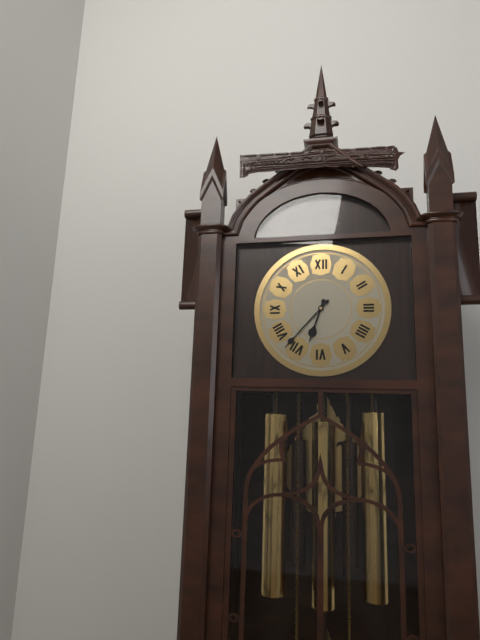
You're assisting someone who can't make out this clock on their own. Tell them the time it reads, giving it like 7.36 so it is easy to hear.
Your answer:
6.37
